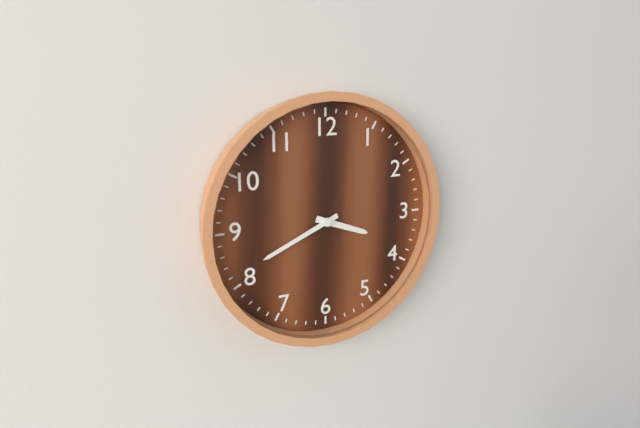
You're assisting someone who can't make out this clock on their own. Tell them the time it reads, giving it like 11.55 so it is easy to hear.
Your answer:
3.41
